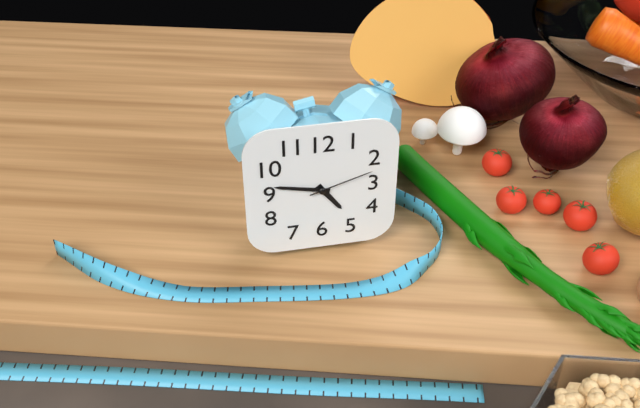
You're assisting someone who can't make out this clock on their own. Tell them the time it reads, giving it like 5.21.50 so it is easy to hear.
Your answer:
4.47.12
